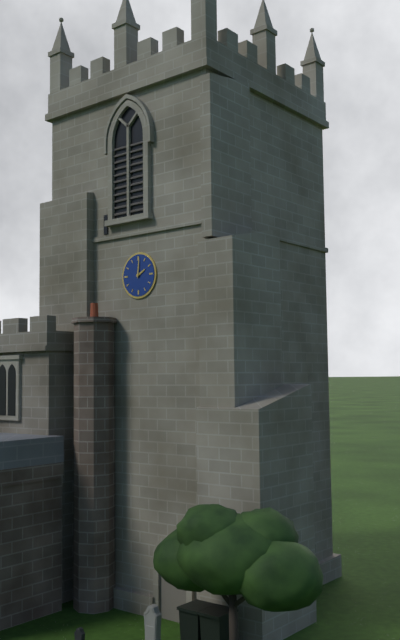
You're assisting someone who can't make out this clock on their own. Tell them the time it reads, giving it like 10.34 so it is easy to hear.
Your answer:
2.01
